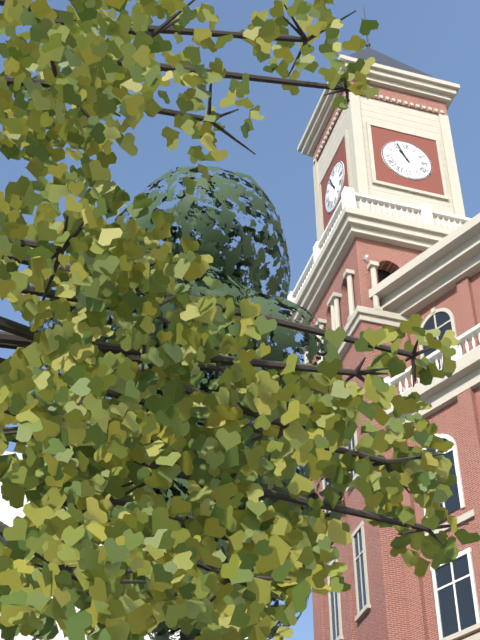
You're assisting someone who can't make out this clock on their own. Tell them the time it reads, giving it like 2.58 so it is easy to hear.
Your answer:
10.56
